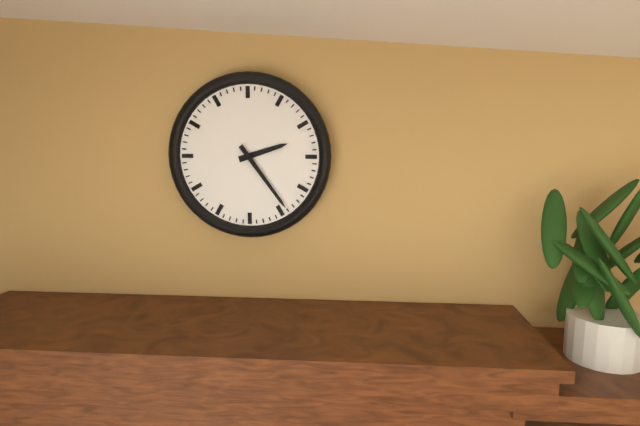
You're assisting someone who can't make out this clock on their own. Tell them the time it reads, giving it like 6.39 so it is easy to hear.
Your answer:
2.24
